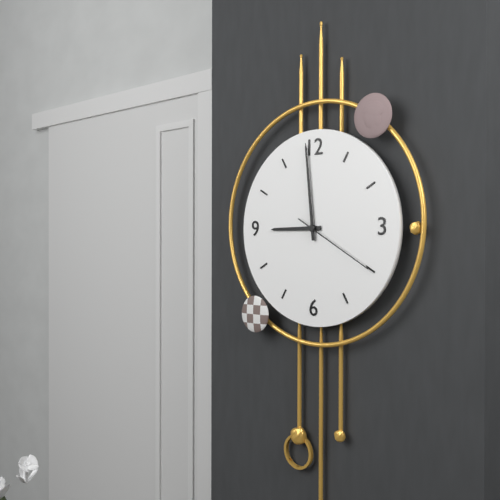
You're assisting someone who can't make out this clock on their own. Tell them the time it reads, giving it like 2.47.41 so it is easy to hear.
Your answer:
8.59.20
